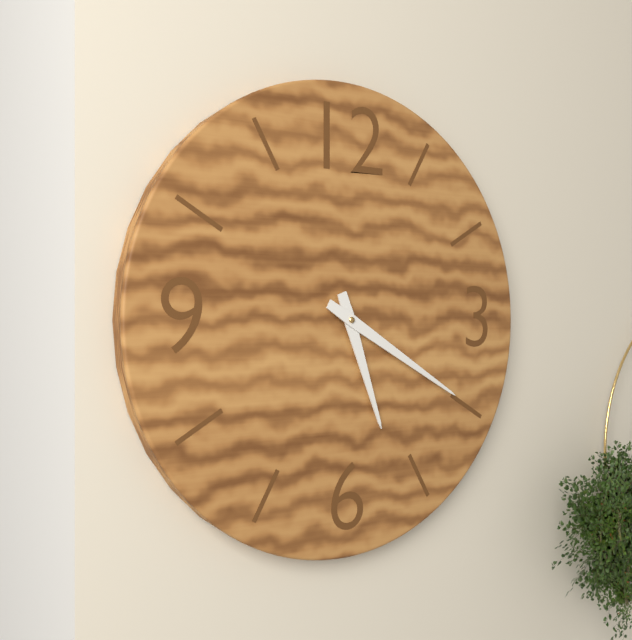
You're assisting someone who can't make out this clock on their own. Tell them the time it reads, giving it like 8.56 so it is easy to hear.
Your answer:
5.20
